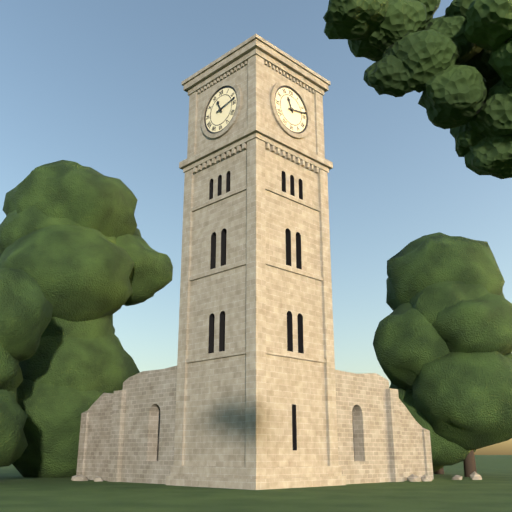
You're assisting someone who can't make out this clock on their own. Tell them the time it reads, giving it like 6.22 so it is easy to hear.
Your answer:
11.13
